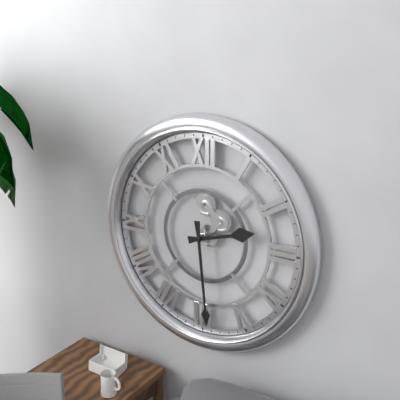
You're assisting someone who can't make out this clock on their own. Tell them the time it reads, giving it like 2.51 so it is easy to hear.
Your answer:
2.29
